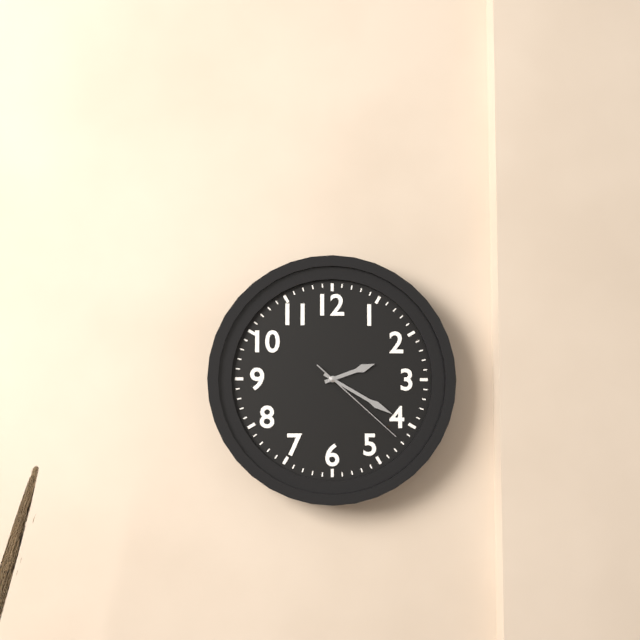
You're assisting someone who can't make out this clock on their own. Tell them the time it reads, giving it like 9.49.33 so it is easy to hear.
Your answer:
2.20.22
